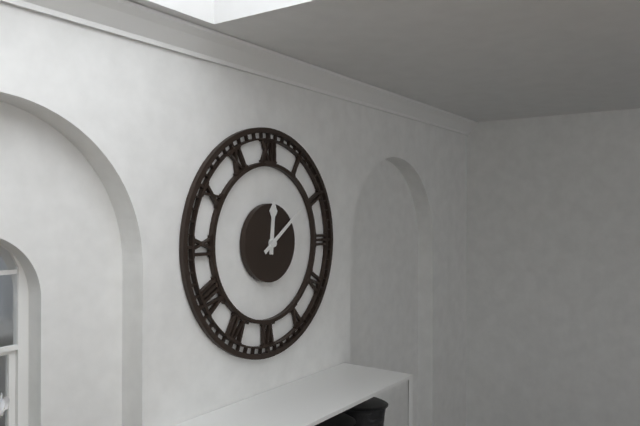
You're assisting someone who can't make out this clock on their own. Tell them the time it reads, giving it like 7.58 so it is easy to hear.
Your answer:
12.09
